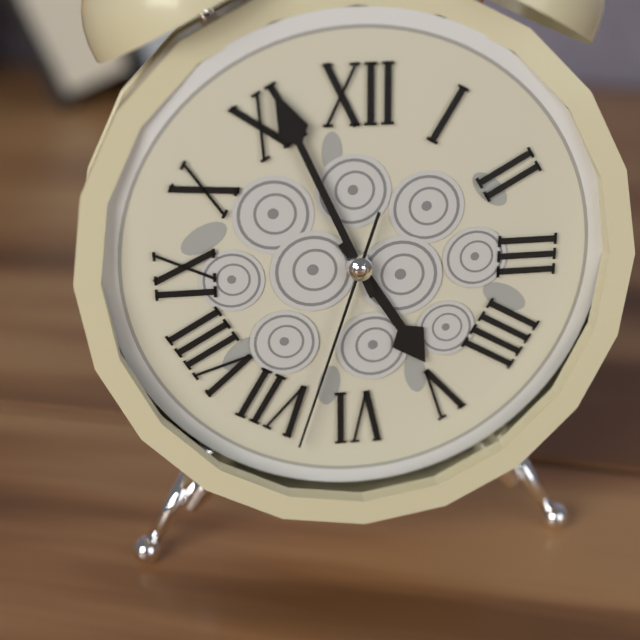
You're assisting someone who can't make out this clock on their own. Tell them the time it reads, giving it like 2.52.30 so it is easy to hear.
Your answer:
4.56.33
